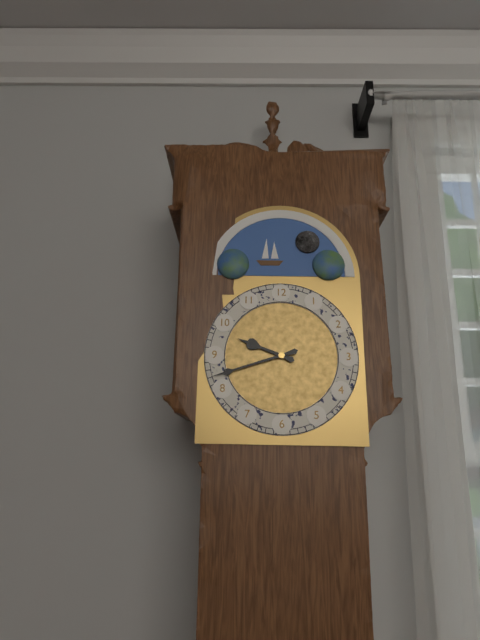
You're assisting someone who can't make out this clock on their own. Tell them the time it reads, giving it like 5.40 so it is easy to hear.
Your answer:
9.42
